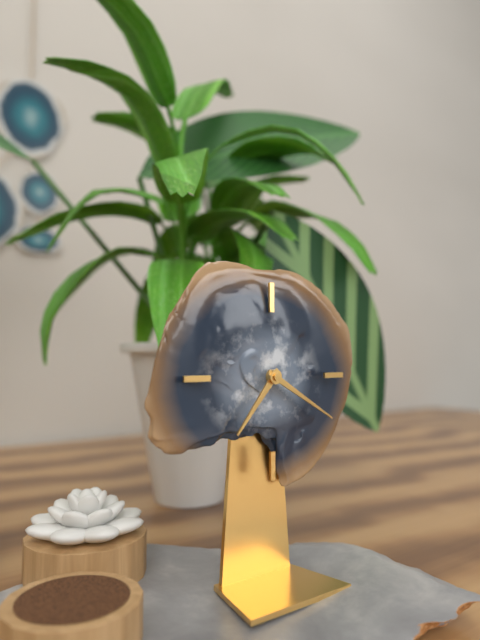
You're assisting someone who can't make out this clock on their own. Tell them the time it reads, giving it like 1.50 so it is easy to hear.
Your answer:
7.20
